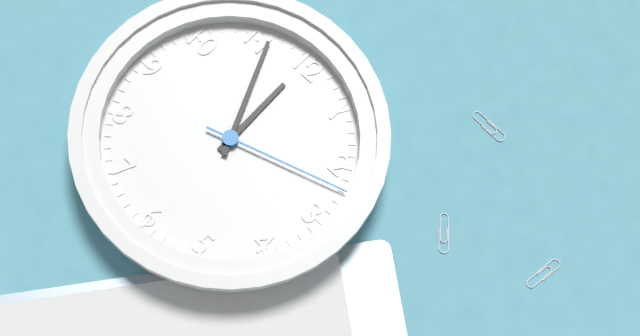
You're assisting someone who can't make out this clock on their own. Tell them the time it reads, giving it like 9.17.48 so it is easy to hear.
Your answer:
11.56.12
